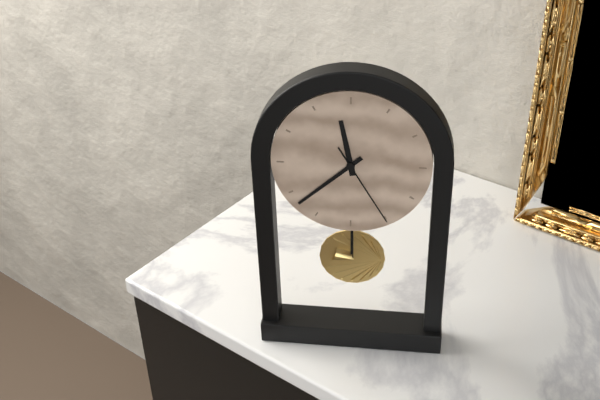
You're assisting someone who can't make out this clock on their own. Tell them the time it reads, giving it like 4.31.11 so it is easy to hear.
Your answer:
11.38.25
